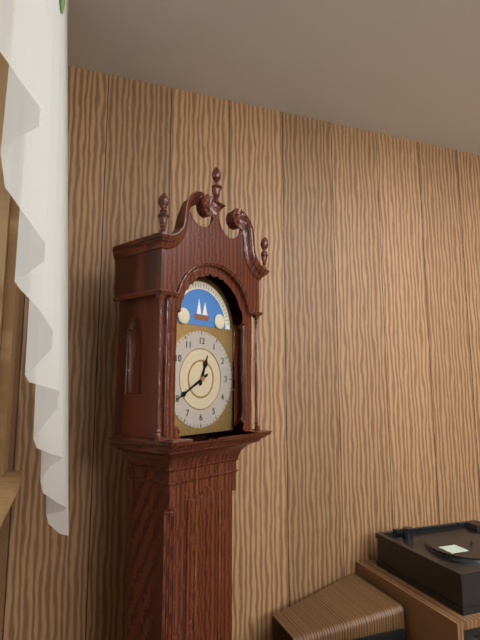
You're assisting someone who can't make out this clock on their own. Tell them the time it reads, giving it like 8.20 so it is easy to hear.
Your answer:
12.40
